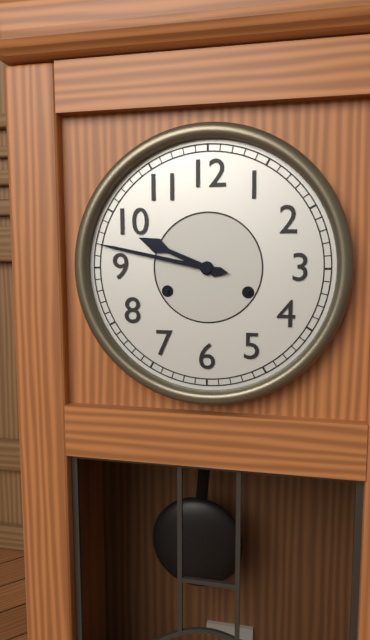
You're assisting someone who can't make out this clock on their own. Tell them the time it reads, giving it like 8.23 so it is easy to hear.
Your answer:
9.47
